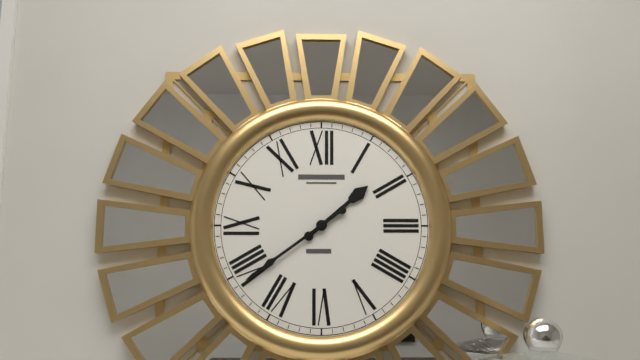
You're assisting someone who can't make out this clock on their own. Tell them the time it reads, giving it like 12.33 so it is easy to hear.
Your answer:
1.39
